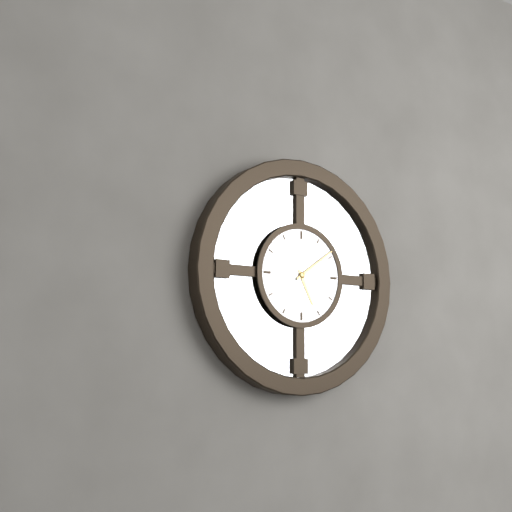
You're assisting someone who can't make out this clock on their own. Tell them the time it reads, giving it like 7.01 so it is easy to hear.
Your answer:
5.09
